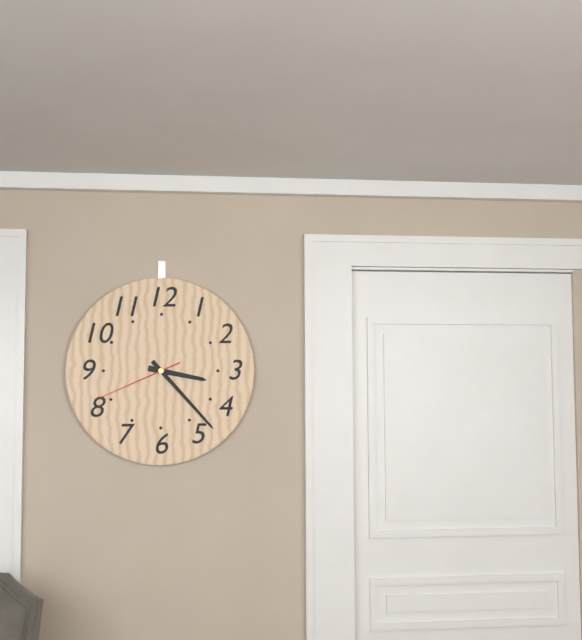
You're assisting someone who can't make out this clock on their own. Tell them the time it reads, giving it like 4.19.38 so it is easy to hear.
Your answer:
3.23.41
